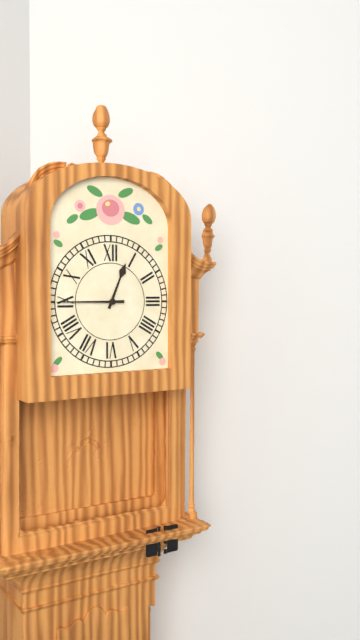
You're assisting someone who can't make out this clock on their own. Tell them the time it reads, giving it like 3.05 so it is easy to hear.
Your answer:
12.45
